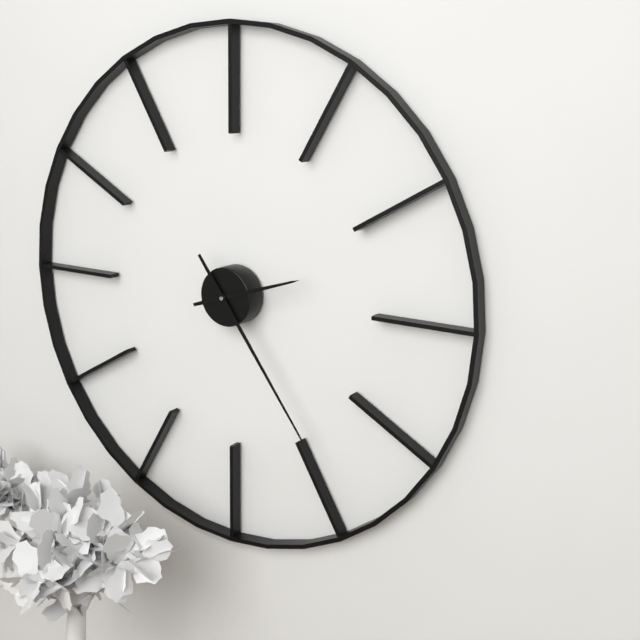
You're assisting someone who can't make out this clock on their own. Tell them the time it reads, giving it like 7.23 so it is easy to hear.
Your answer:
2.24
